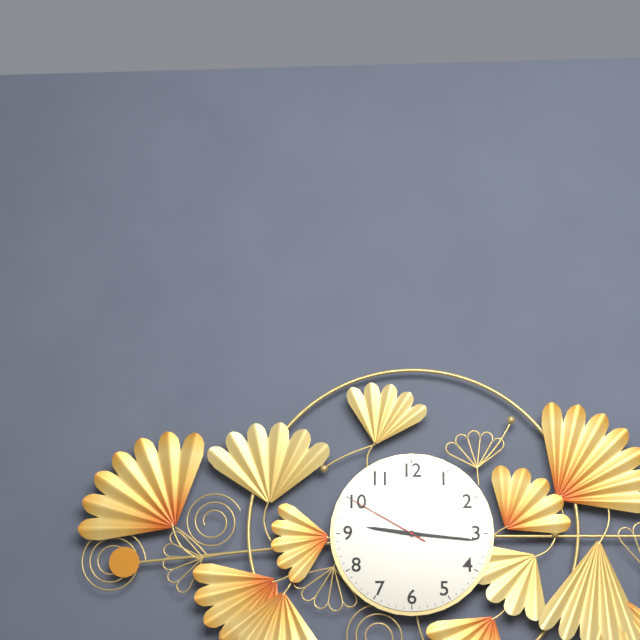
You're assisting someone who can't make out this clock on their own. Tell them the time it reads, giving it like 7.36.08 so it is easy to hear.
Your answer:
9.16.50
